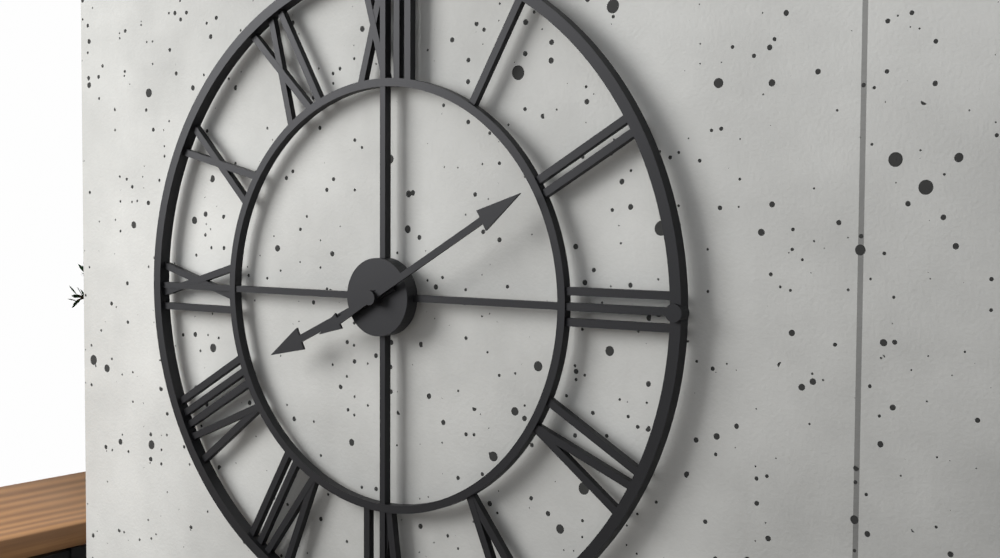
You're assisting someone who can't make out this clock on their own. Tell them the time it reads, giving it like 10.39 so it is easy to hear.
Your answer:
8.10
